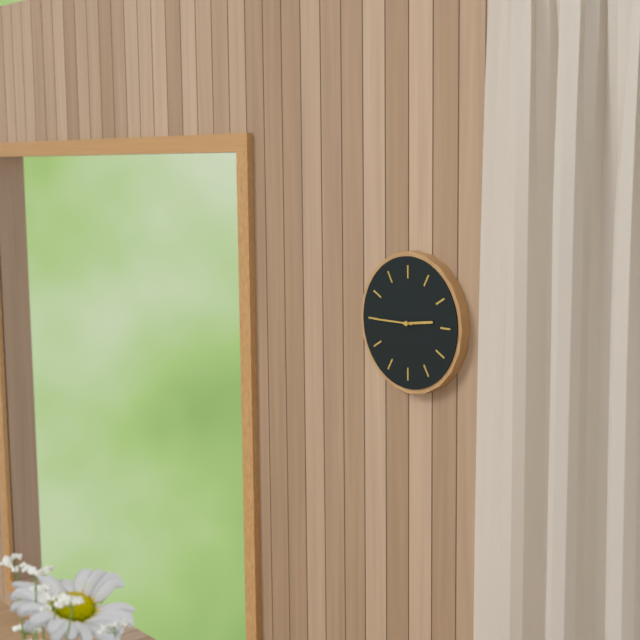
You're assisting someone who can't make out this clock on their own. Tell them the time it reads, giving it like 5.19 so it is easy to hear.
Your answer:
2.45
